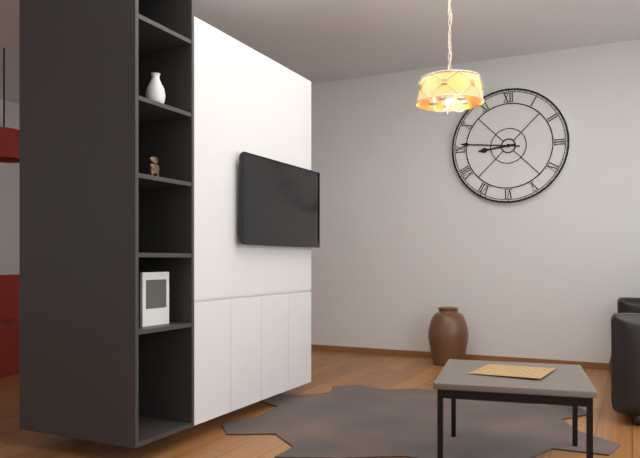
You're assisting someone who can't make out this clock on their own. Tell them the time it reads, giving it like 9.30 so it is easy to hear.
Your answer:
8.46
